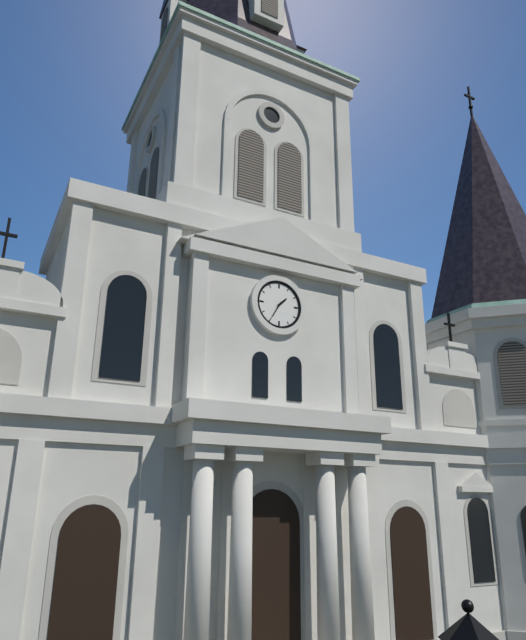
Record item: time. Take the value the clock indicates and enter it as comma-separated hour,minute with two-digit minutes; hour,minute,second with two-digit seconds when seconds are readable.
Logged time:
1,35
